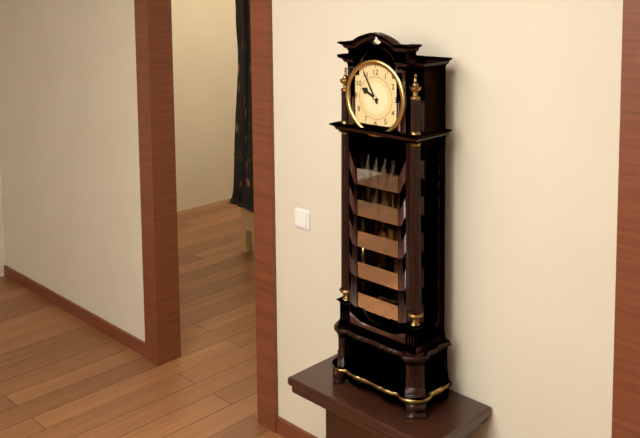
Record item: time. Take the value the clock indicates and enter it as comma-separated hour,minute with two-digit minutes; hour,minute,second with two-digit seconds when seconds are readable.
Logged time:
9,55
